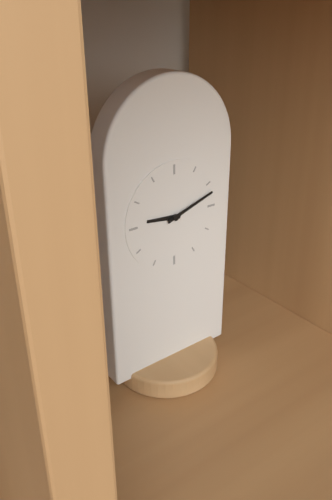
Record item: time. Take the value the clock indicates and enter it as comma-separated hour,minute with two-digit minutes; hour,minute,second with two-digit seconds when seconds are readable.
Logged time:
9,12
